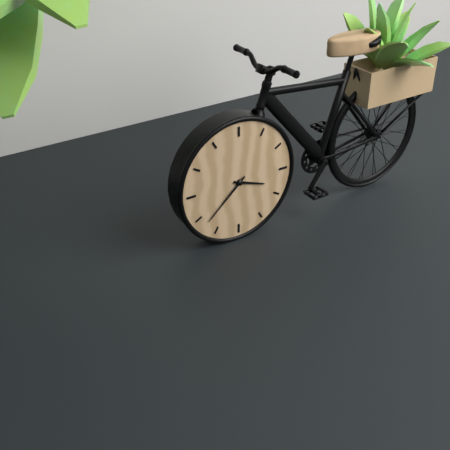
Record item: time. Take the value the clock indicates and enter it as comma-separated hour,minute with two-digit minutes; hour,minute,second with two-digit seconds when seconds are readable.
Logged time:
3,38
